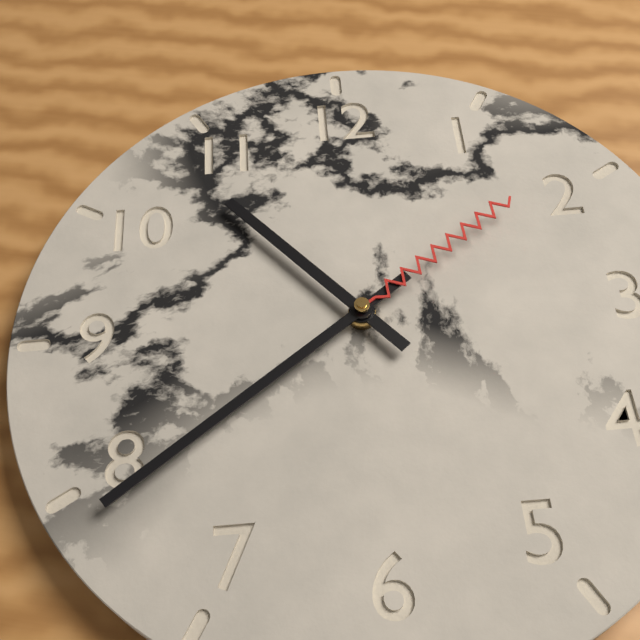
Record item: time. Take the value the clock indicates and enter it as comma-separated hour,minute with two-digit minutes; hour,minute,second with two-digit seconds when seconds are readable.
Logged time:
10,39,09
